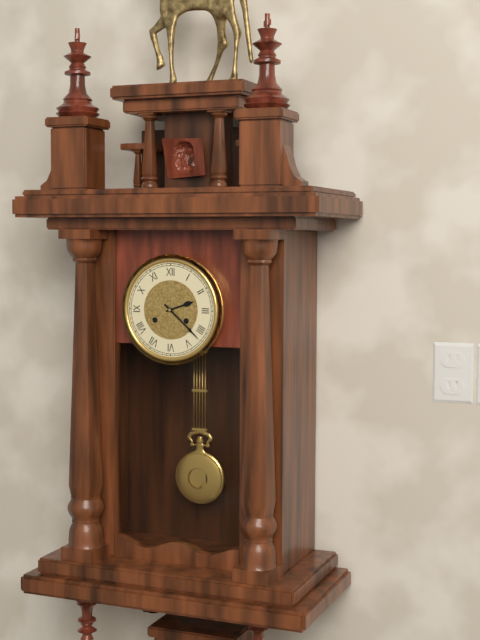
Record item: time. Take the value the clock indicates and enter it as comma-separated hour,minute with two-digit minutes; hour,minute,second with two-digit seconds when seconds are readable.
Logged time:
2,22
